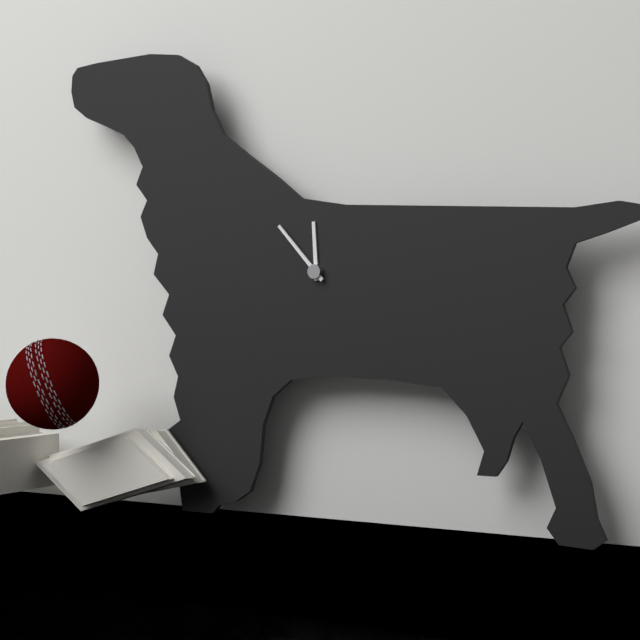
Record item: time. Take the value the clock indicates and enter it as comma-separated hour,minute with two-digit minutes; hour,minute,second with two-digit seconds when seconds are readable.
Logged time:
11,53
